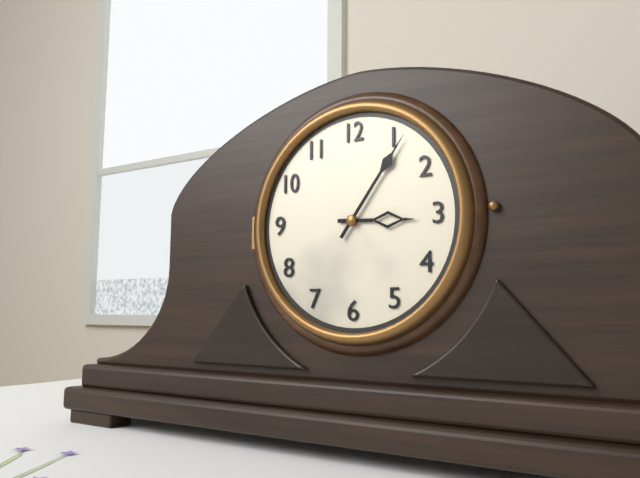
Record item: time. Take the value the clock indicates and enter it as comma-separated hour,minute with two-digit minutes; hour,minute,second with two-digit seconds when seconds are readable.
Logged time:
3,06
